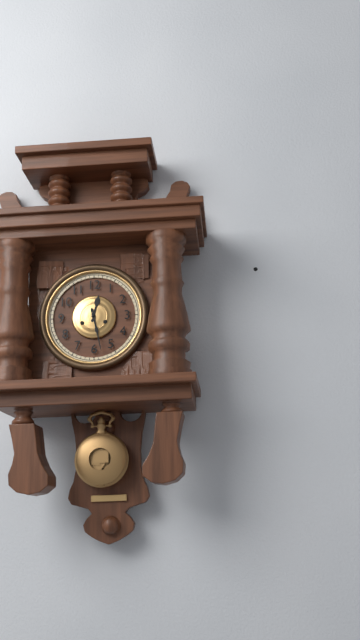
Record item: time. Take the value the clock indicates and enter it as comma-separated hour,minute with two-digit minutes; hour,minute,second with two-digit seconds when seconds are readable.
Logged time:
12,28
